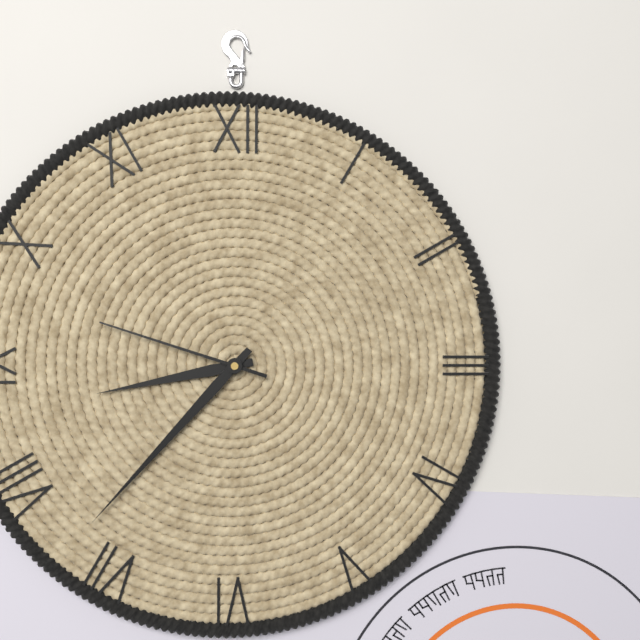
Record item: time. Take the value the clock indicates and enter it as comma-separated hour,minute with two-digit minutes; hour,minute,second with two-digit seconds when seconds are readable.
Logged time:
8,37,48
